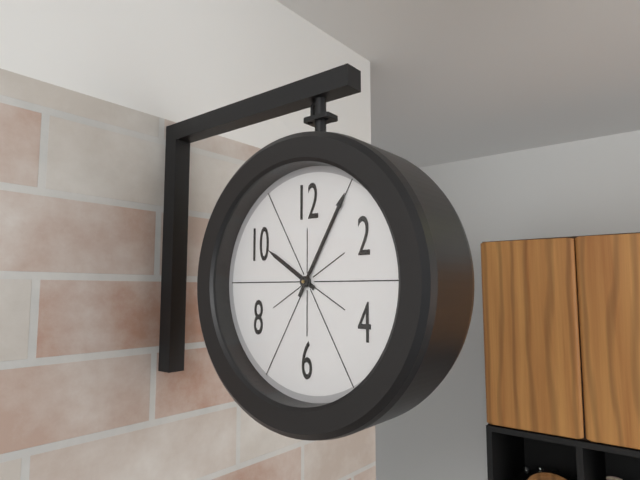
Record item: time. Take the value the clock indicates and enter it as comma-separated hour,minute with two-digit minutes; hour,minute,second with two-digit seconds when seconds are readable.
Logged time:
10,05
